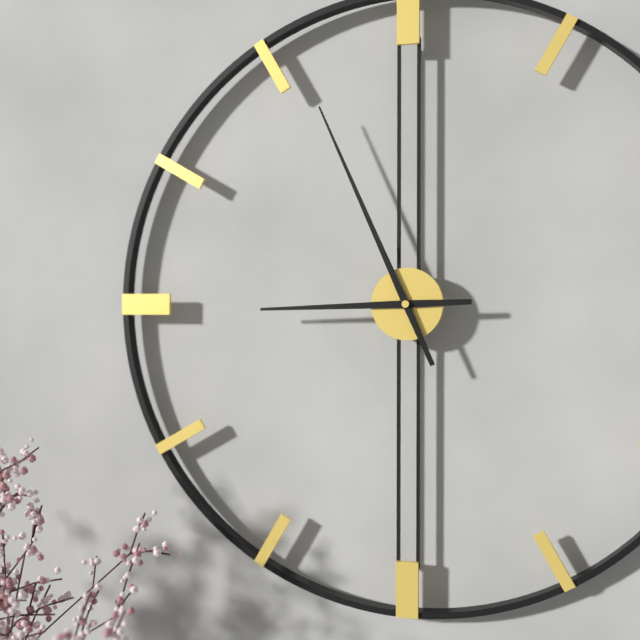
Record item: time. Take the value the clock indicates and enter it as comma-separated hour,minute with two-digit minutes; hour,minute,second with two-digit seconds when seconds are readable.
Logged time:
8,56
